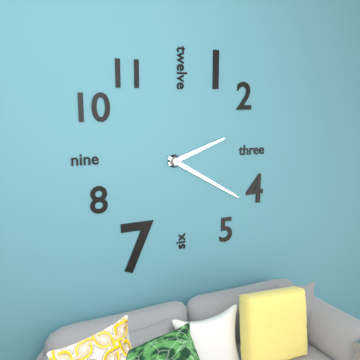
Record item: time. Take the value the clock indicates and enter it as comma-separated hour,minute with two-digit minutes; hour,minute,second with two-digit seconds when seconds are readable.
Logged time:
2,20
